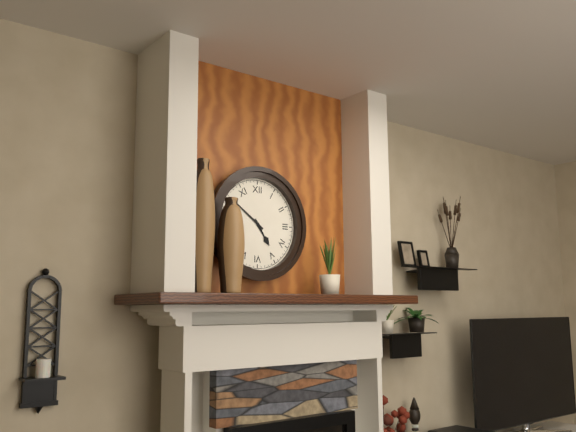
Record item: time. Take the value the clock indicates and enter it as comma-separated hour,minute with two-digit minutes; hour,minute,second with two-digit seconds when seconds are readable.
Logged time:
4,51
